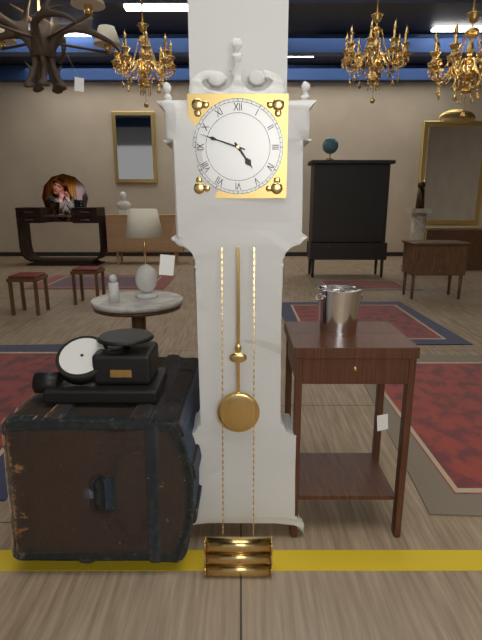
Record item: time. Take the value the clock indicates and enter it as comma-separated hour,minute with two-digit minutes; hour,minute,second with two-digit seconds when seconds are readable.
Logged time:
4,48
